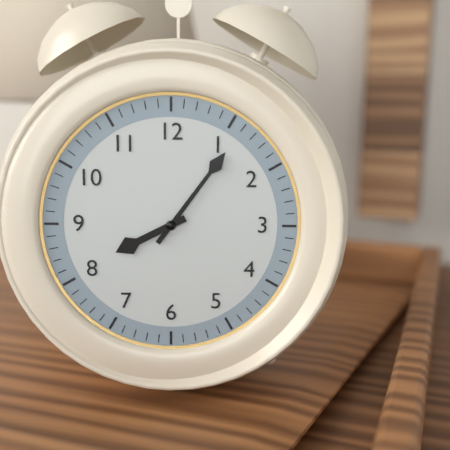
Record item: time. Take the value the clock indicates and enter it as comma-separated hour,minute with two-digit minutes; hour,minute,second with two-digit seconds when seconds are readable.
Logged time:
8,06
